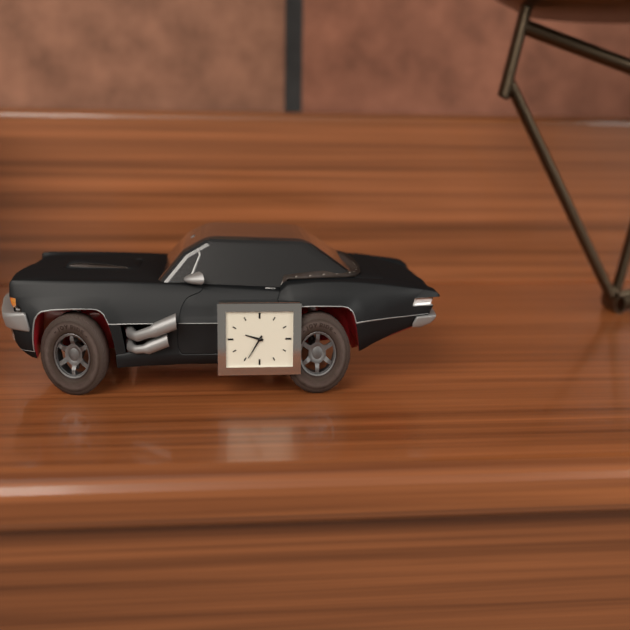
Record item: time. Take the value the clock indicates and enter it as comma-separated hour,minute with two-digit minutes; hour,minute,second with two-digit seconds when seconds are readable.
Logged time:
9,35
